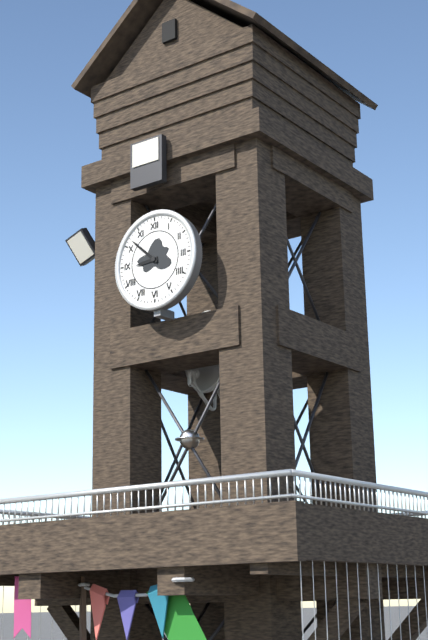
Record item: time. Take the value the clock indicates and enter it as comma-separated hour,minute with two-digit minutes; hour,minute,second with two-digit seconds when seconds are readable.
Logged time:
8,52
